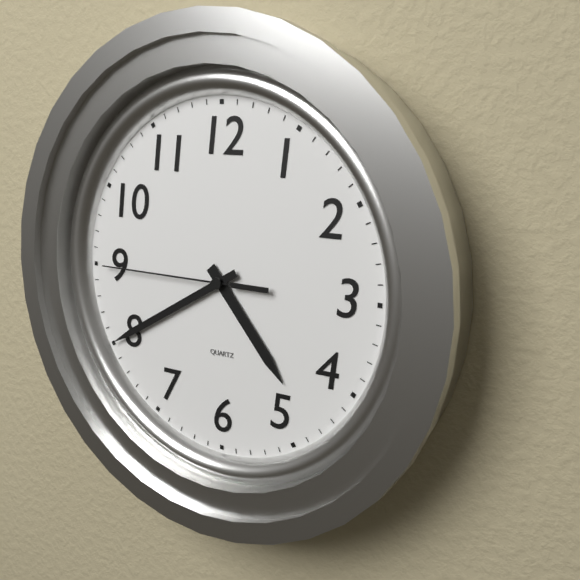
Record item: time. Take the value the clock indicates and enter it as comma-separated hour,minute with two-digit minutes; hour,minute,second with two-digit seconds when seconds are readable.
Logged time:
4,40,45
